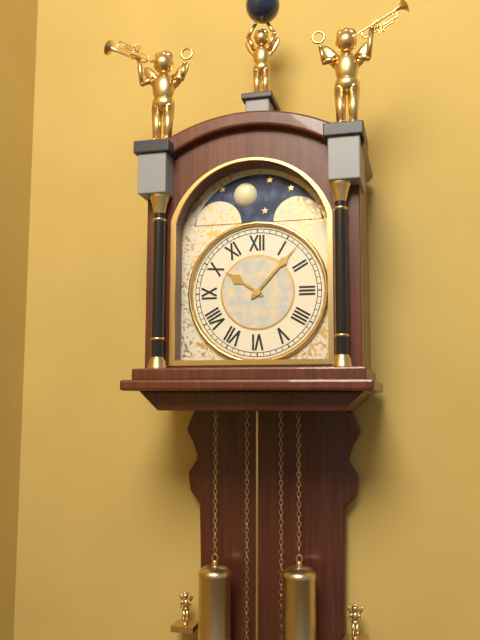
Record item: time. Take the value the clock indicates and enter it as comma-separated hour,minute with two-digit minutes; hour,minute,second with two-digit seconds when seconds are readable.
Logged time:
10,07
